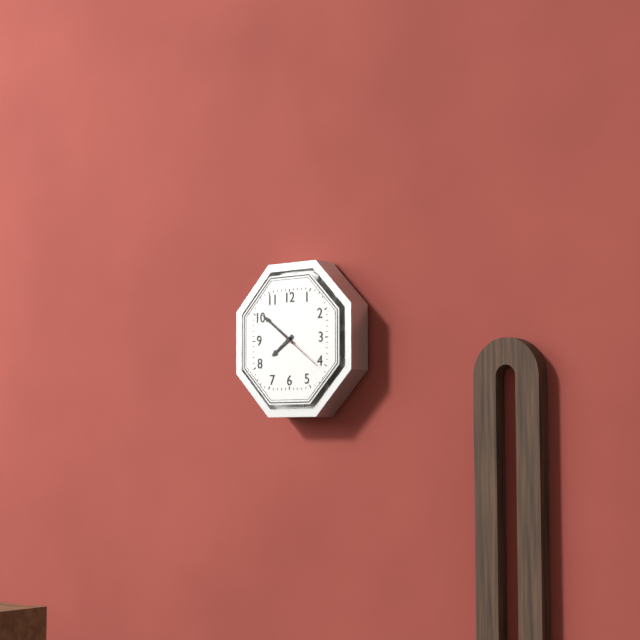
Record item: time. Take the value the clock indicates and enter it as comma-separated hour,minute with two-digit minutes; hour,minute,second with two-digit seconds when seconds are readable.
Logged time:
7,51
